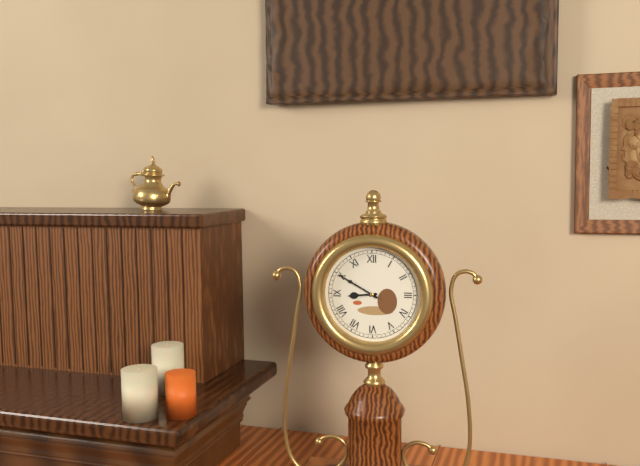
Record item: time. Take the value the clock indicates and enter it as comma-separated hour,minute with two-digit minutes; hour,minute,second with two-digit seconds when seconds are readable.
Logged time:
8,50
